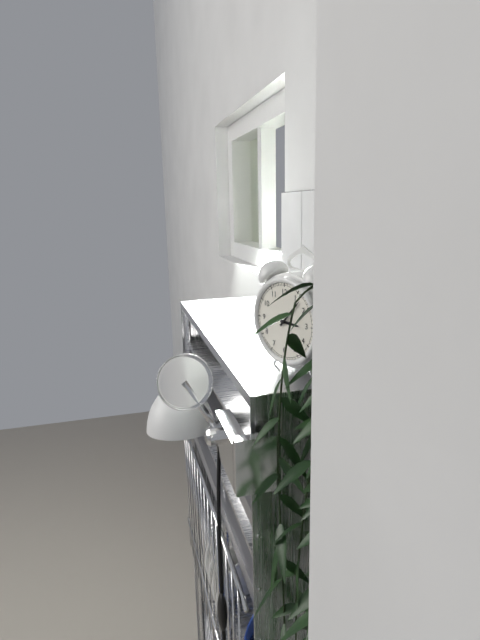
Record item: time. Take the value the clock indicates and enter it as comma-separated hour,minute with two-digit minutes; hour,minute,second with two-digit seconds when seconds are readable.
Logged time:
3,07
